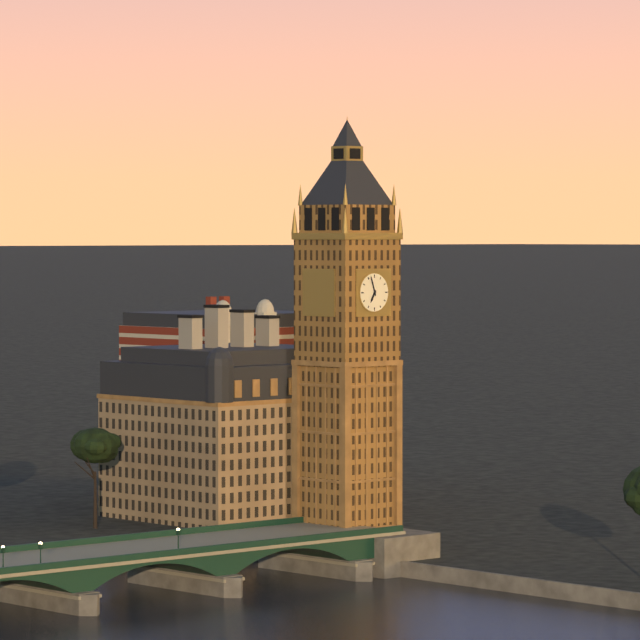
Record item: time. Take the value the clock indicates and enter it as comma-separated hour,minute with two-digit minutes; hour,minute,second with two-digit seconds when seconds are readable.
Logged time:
6,57
